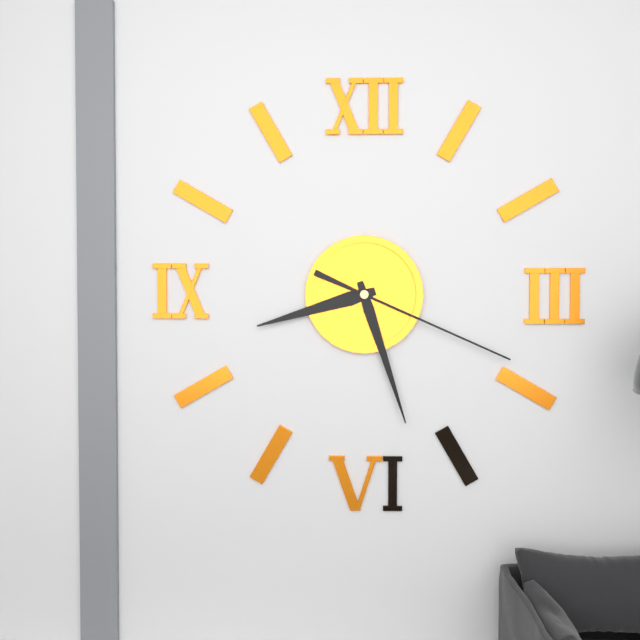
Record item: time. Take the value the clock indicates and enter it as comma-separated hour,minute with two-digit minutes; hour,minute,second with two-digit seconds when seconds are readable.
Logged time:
8,27,19
